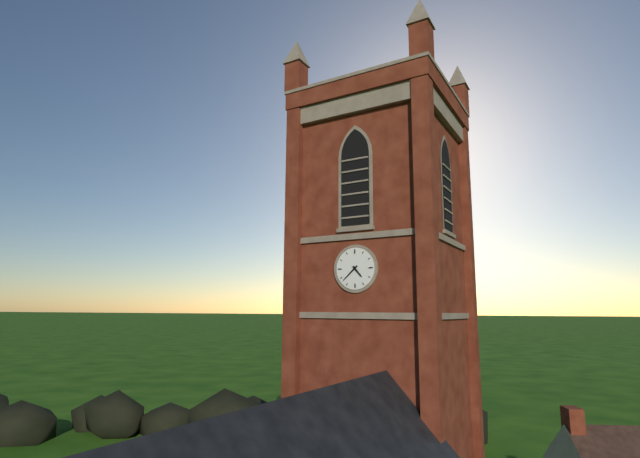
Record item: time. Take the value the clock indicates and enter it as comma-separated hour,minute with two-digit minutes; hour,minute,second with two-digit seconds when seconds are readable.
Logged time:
4,38
